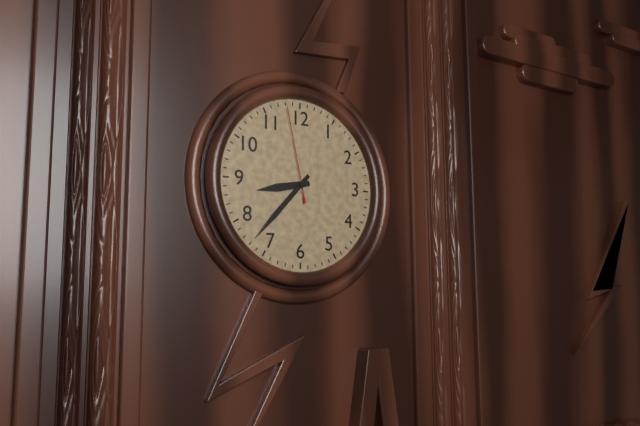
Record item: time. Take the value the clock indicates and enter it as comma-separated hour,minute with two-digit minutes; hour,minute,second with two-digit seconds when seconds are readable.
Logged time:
8,37,58
